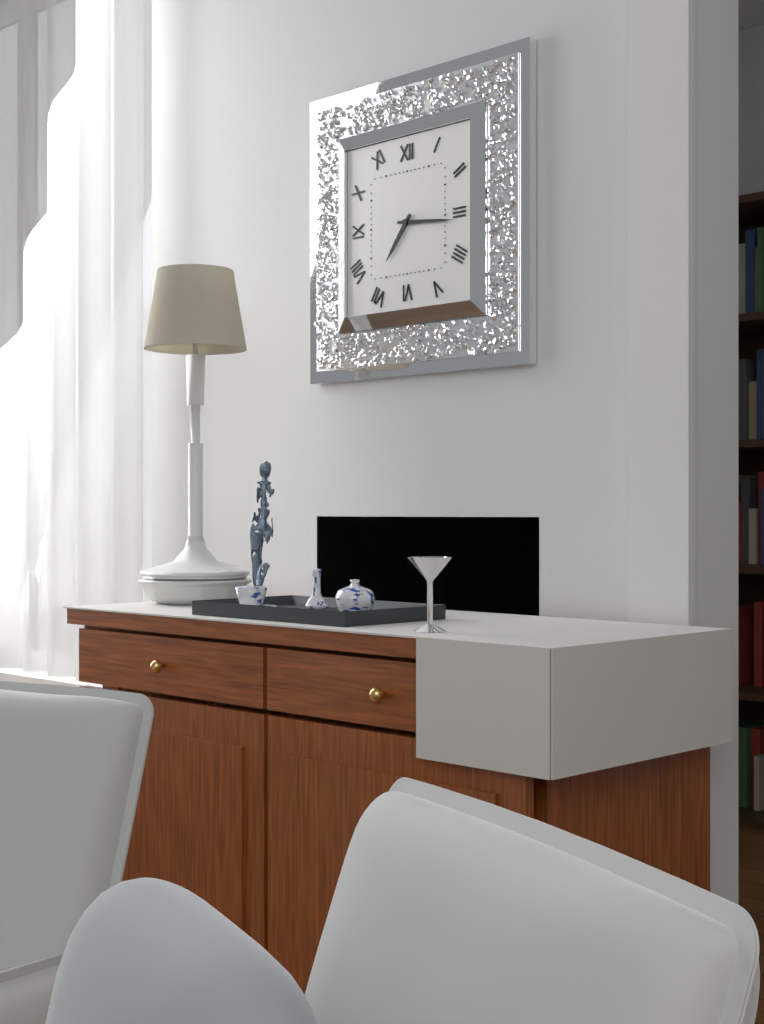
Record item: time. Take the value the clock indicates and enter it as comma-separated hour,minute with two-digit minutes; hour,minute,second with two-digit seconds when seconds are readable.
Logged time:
7,16
